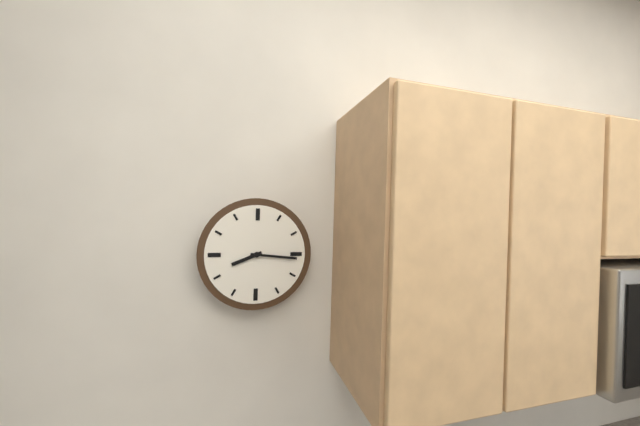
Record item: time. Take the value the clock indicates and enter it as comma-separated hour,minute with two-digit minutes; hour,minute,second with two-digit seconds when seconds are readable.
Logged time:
8,16
